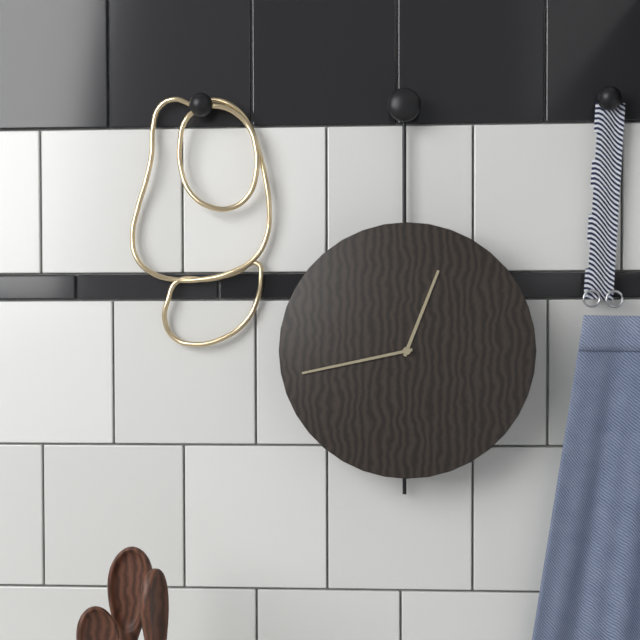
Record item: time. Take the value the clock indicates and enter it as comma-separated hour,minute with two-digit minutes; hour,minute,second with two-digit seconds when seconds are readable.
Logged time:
12,43
